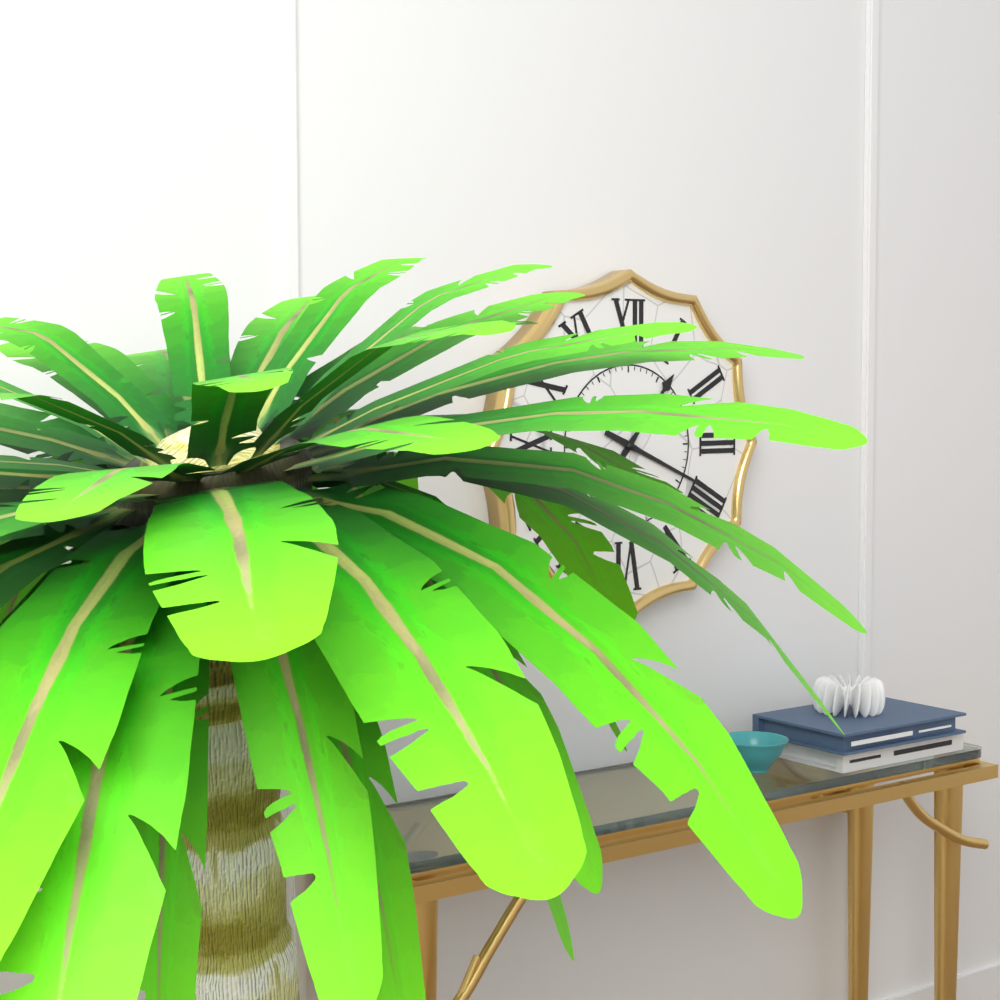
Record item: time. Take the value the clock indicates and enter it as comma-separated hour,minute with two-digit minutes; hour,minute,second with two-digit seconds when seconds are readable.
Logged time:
1,19
